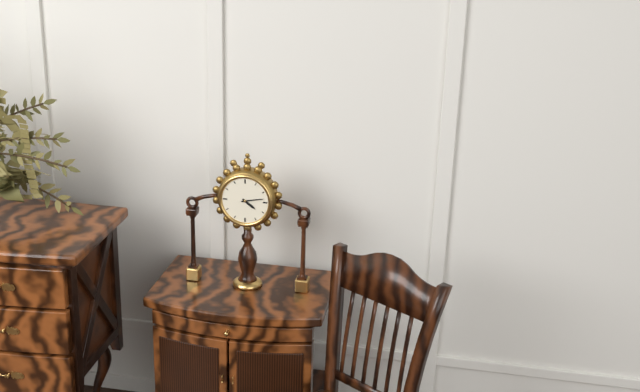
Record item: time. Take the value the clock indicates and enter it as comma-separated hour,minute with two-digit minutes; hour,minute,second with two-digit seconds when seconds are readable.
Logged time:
4,13
